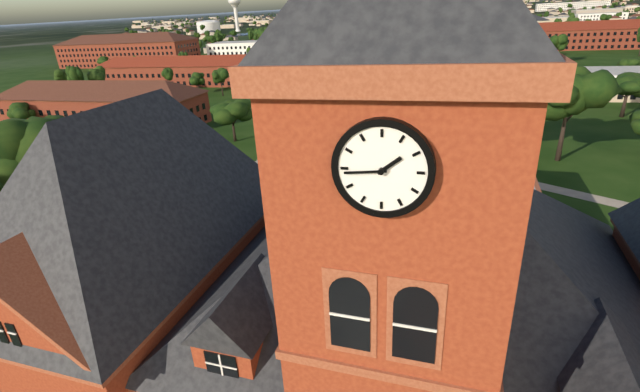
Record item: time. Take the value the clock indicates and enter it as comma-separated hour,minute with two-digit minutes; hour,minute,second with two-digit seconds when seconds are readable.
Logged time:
1,44
